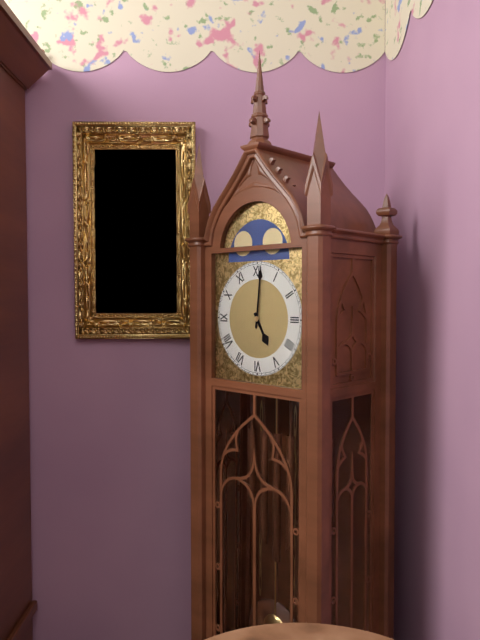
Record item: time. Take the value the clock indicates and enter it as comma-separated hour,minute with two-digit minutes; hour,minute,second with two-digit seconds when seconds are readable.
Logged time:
5,01
